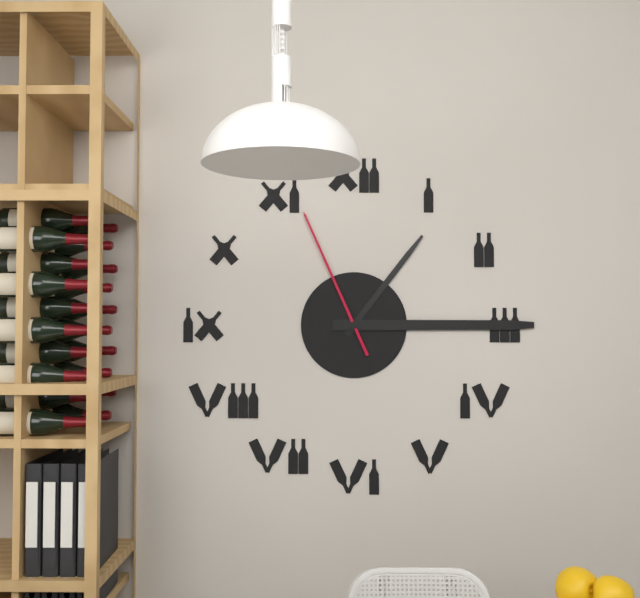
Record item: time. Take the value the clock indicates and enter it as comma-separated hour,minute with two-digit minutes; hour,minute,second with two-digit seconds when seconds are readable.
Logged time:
1,15,56
